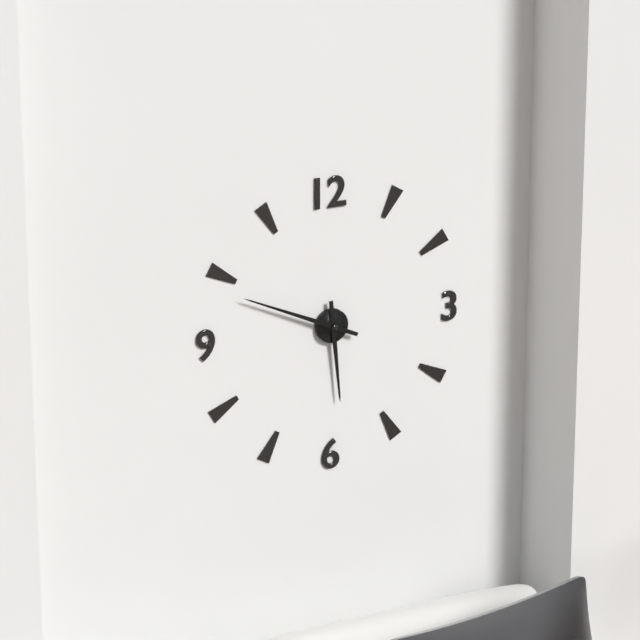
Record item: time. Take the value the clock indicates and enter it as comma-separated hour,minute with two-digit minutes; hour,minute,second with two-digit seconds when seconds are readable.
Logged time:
5,49
